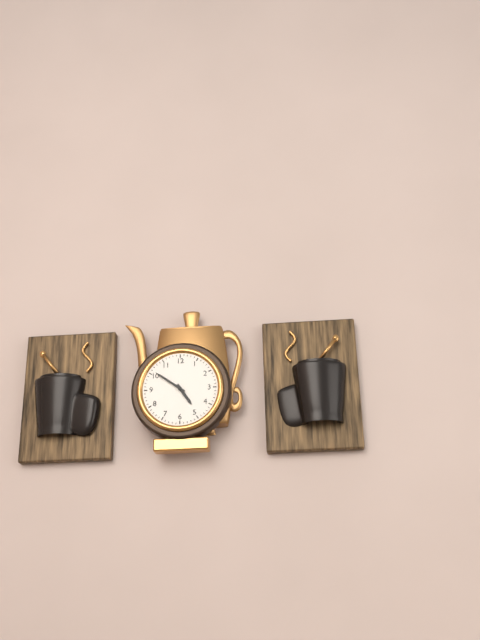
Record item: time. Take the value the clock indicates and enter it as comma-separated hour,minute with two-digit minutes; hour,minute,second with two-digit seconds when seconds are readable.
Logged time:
4,51
